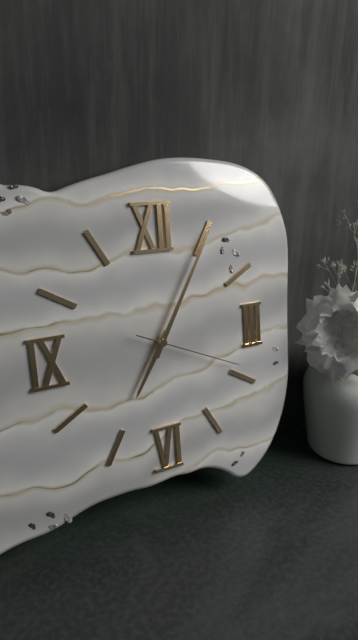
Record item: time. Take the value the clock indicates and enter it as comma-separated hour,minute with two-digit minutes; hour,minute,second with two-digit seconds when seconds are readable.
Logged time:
7,05,19
